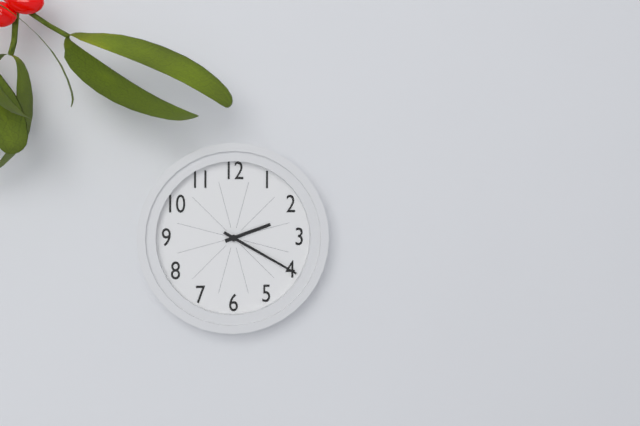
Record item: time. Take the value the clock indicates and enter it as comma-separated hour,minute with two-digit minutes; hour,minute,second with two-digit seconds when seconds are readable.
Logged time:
2,20
